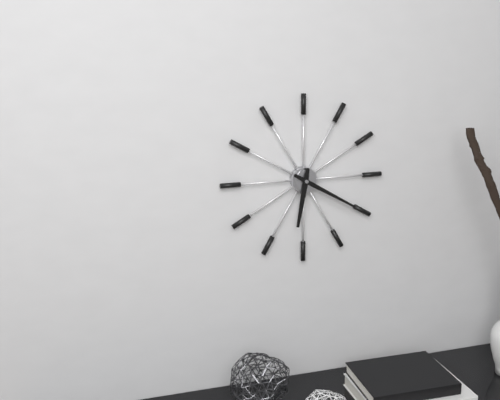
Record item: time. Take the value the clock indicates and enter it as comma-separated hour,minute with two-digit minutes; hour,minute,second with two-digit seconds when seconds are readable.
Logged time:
6,20
